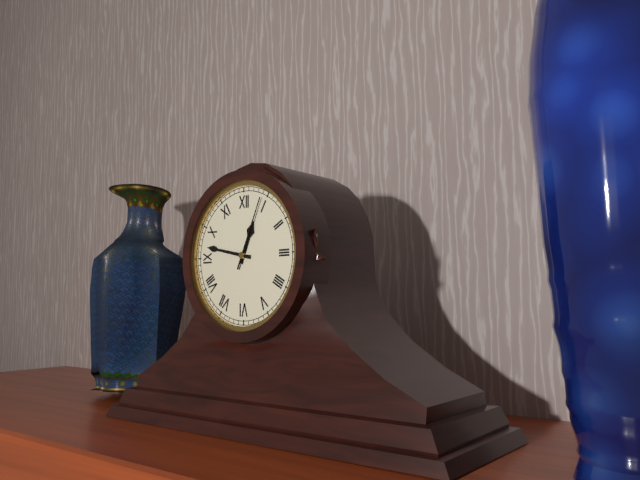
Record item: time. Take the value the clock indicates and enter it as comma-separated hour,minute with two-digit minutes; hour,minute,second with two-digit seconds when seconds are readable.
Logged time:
12,47,04
